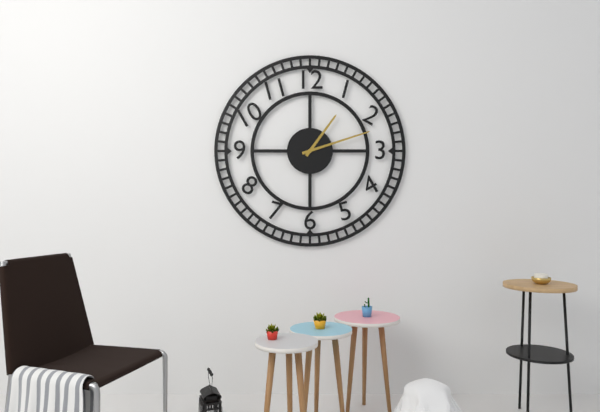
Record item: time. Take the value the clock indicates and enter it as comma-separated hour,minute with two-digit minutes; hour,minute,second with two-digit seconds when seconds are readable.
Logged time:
1,12
